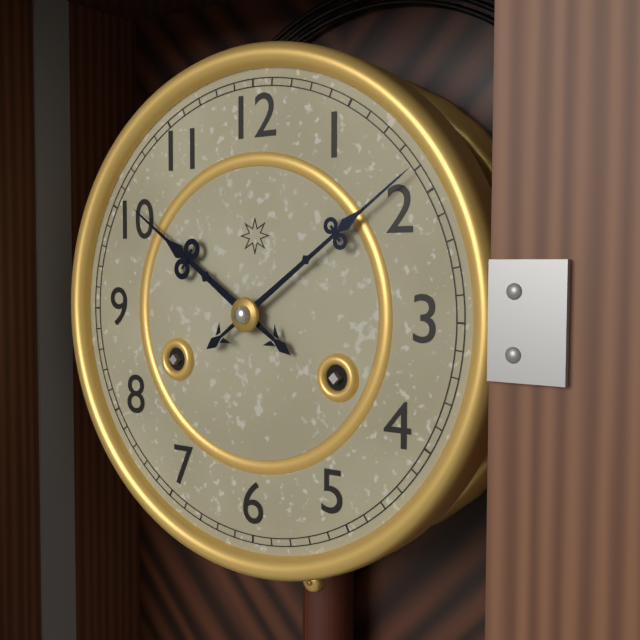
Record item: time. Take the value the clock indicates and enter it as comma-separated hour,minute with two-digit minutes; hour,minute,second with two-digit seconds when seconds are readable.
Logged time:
10,09
